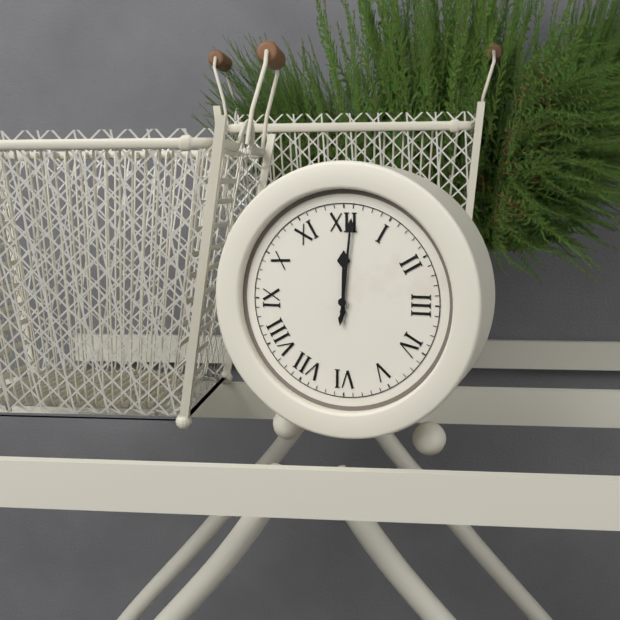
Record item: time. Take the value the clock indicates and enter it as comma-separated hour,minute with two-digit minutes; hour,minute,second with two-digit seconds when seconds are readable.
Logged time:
12,01
